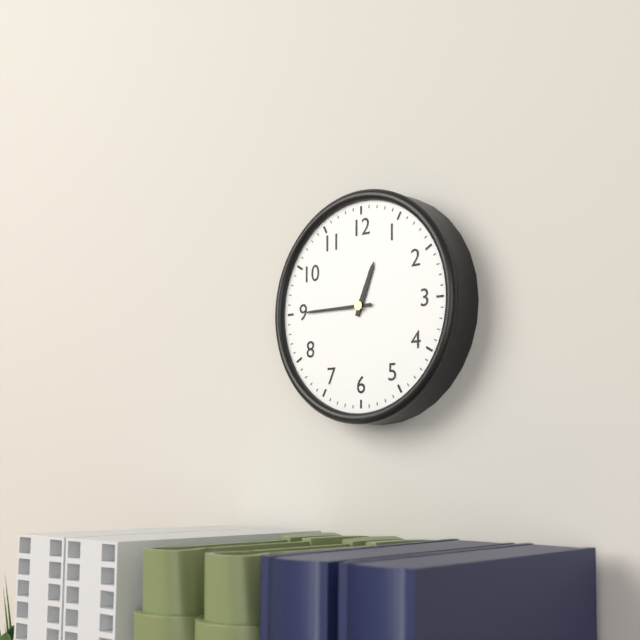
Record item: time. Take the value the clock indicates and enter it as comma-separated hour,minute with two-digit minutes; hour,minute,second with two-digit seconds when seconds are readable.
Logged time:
12,45
